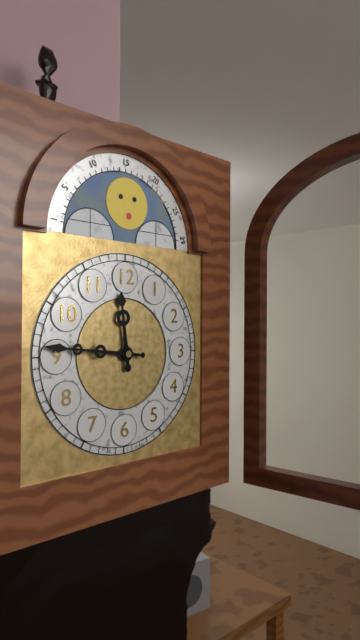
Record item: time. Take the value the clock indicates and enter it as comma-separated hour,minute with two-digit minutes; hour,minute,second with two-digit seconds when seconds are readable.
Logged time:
11,46
